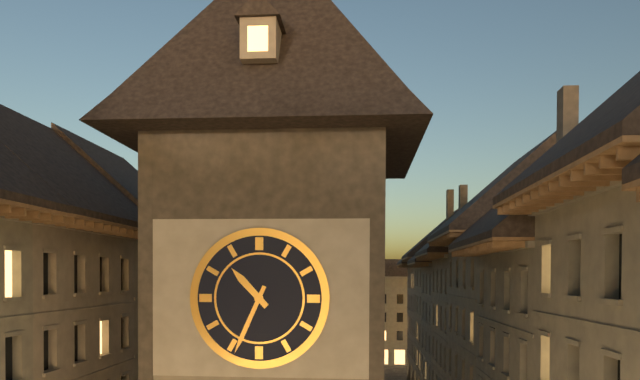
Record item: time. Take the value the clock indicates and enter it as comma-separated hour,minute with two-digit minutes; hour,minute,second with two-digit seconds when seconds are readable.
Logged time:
10,34
